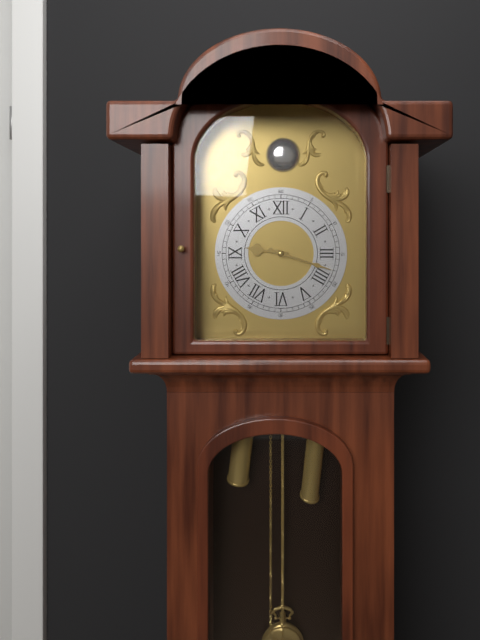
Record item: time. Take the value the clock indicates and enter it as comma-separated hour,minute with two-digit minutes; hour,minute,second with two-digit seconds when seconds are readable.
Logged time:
9,18
